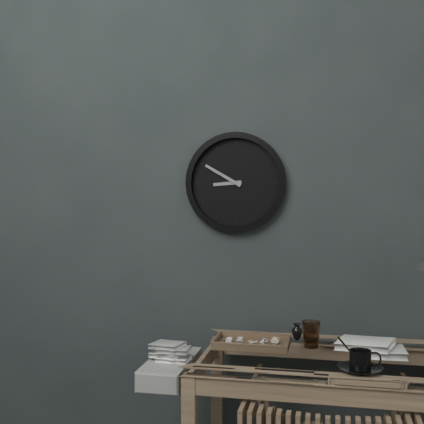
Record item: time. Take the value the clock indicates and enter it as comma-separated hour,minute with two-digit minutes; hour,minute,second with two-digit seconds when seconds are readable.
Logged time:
8,50
